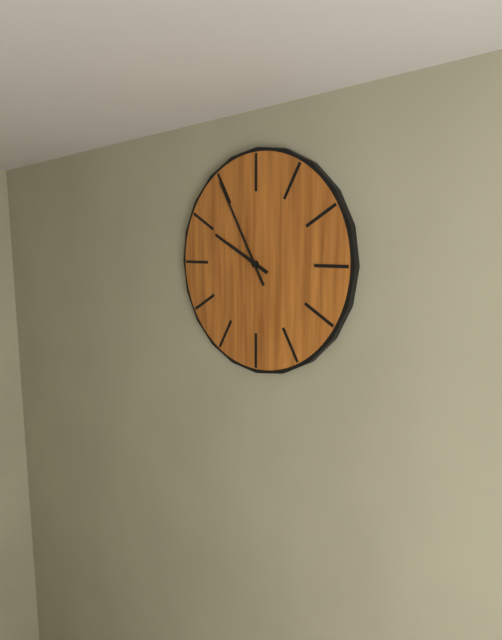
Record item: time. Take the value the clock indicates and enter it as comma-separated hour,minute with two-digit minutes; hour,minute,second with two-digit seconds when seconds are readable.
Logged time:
9,55
